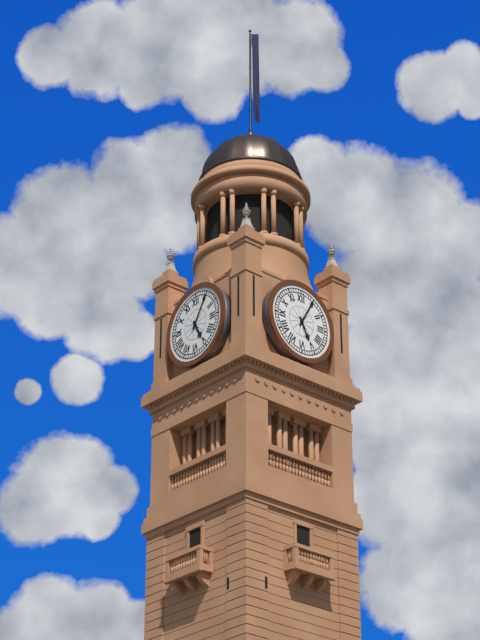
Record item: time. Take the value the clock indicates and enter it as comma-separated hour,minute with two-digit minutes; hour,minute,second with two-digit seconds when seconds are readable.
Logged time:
5,05
